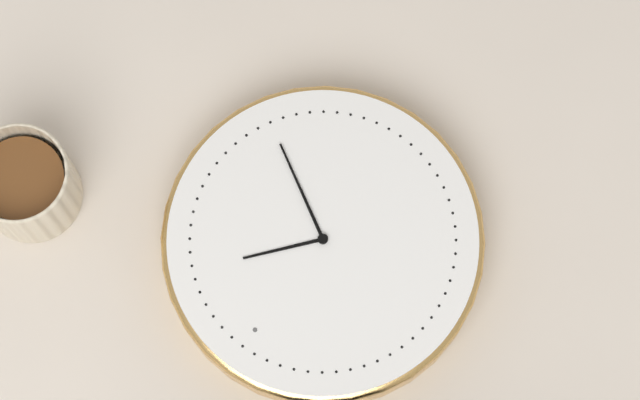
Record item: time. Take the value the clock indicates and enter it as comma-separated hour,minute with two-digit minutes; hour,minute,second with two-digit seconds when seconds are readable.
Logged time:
1,20
